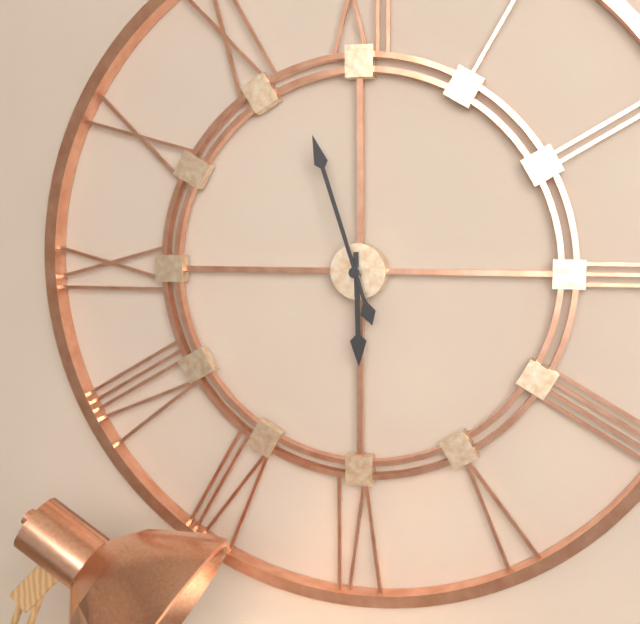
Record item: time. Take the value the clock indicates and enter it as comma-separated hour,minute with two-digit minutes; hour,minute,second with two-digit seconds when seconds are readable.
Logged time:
5,57
